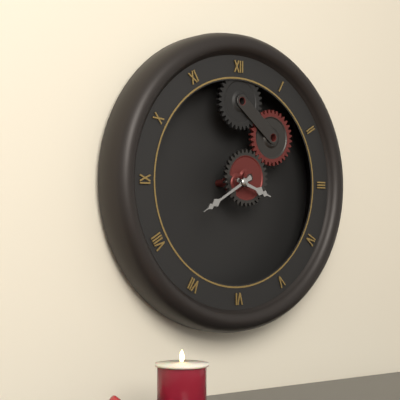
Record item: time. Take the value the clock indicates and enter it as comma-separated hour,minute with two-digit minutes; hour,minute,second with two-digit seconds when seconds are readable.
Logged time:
3,40
